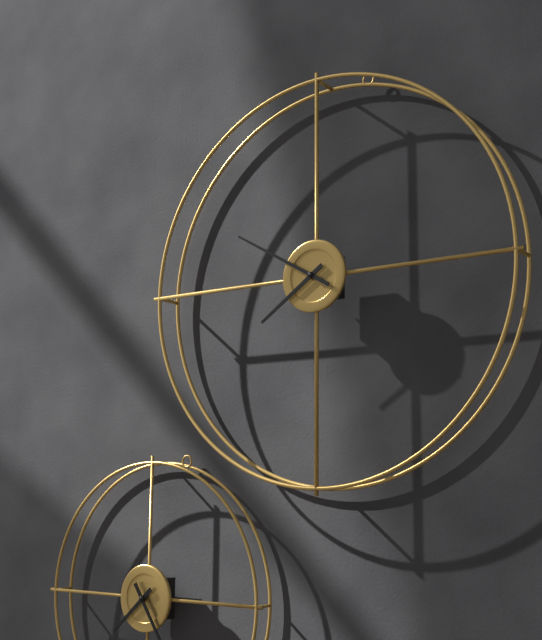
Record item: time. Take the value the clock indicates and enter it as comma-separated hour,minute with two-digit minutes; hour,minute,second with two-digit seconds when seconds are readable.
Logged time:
7,50
